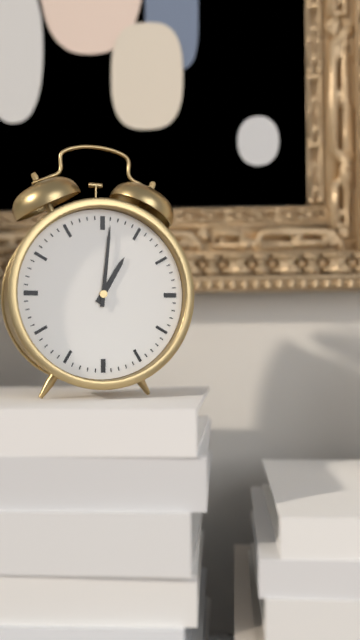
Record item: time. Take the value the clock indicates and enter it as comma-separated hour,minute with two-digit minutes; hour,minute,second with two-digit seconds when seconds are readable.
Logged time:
1,01
